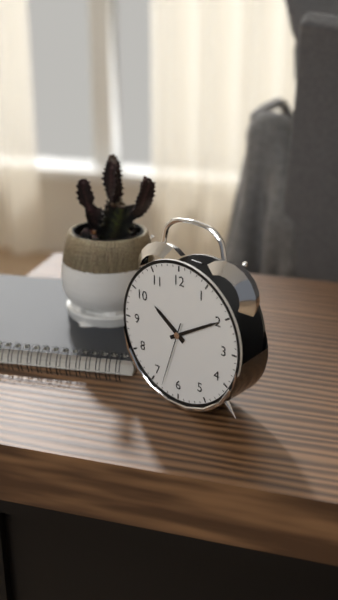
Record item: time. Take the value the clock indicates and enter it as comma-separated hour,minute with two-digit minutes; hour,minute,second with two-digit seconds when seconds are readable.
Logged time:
10,10,33
